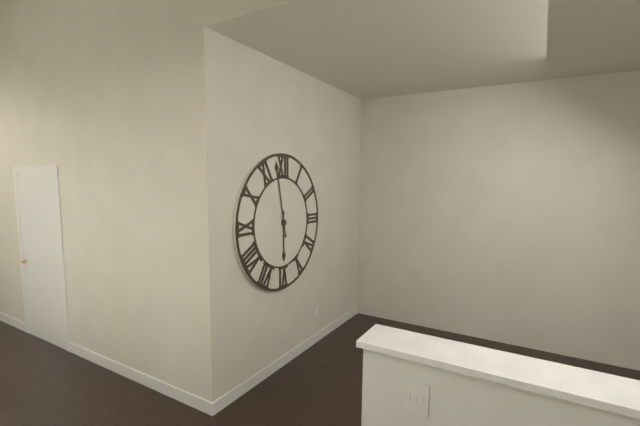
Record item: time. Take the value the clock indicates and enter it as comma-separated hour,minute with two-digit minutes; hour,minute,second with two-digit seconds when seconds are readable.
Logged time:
5,58
